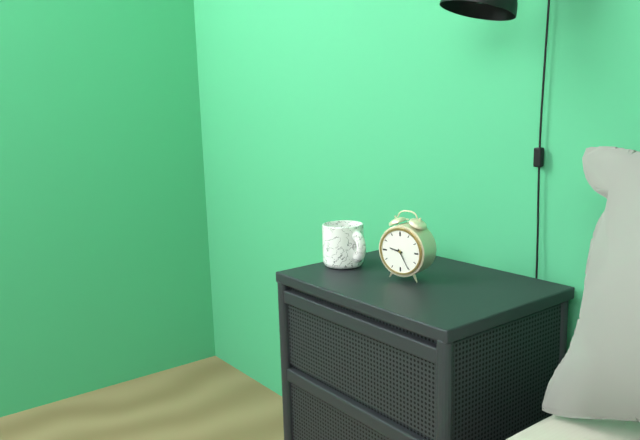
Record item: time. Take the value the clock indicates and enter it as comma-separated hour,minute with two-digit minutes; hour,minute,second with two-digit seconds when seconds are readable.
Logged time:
9,25
